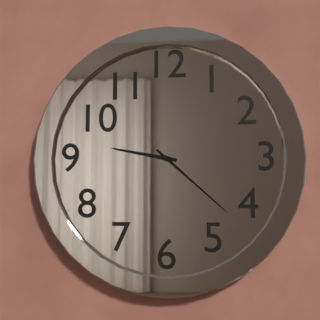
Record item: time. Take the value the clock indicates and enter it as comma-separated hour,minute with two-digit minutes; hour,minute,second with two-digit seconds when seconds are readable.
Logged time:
9,22
